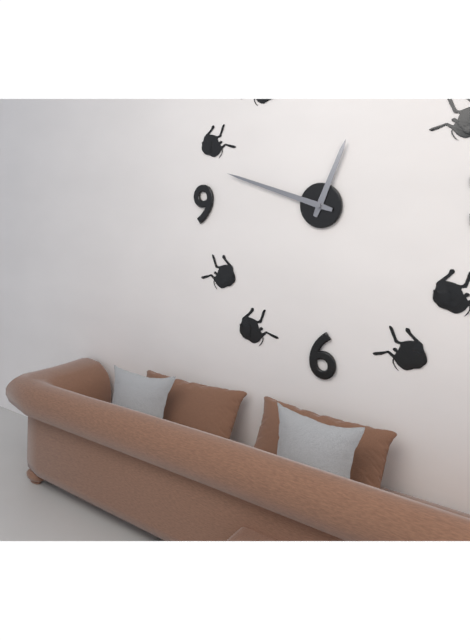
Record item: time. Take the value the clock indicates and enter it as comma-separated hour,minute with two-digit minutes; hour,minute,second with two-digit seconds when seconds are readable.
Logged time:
12,48
